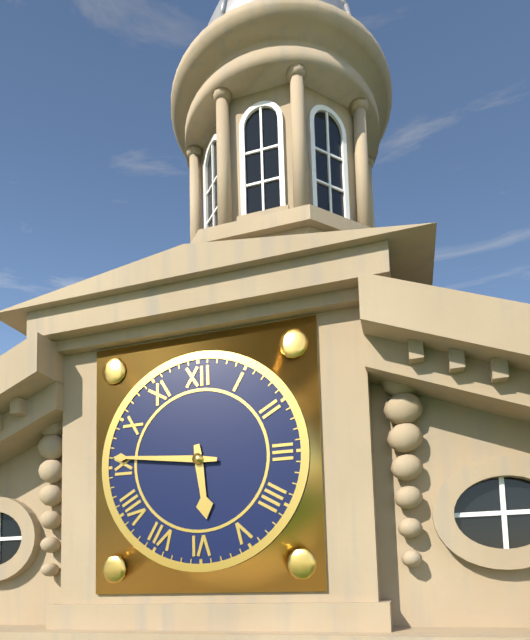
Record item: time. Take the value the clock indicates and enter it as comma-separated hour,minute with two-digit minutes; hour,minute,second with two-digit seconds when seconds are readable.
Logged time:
5,46
